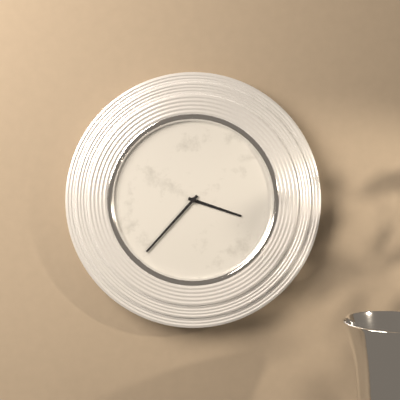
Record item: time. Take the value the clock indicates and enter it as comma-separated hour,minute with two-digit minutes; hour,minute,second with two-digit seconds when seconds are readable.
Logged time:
3,37
